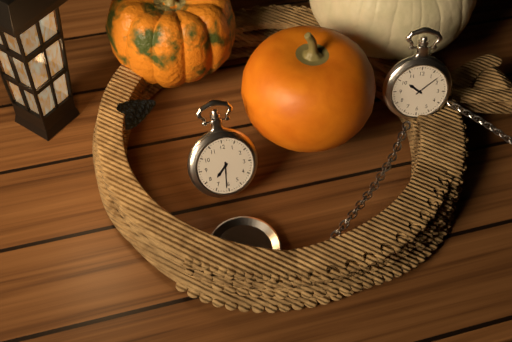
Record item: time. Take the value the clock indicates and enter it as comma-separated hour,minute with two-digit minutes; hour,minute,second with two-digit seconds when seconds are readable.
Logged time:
7,31
